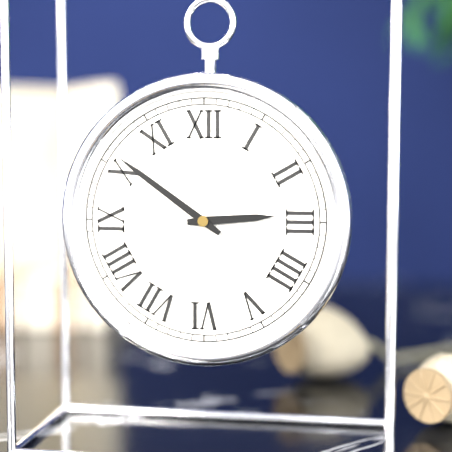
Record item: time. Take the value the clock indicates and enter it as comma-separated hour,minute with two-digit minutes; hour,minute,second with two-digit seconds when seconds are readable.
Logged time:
2,51
